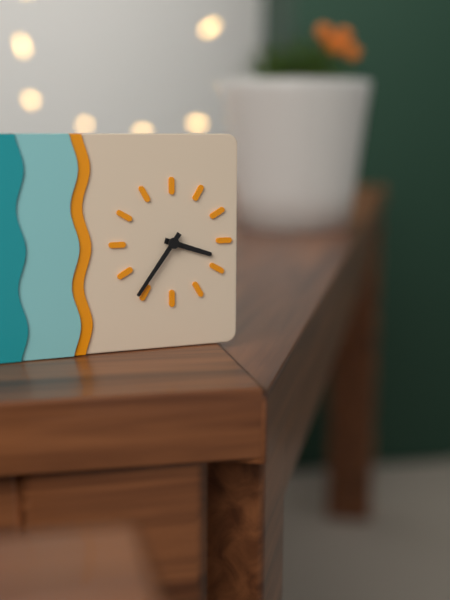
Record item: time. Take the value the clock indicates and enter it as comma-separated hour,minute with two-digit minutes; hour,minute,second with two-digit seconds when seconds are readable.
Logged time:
3,36
